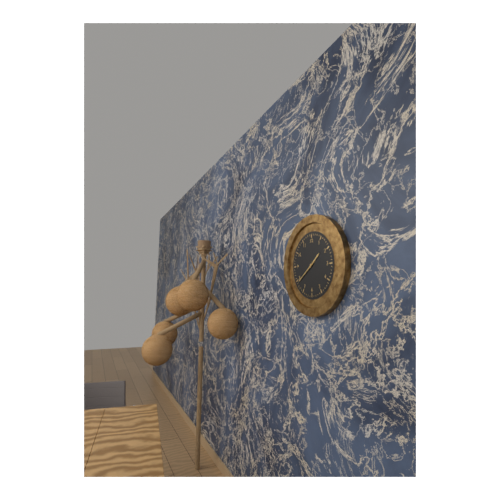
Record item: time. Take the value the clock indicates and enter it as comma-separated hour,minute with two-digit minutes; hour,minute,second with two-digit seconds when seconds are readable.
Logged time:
1,39
